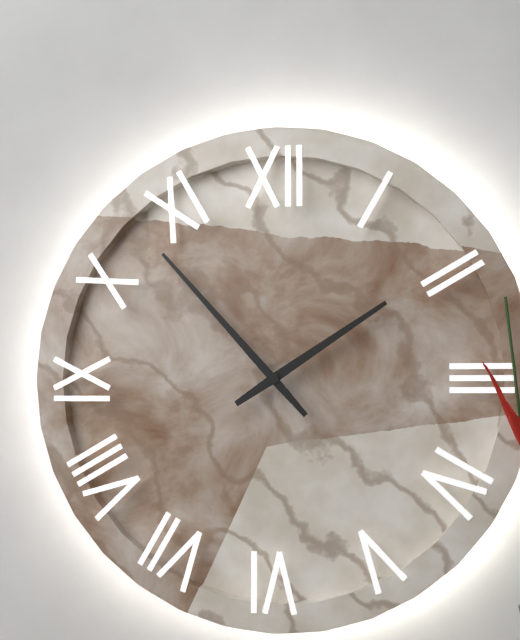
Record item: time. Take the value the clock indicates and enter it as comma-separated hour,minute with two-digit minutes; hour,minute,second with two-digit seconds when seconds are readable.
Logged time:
1,53
